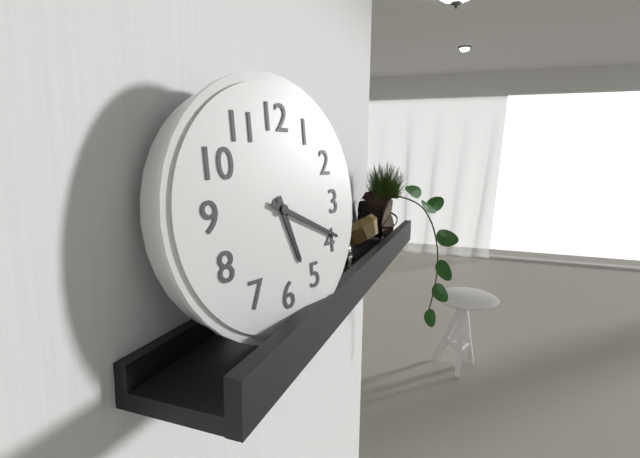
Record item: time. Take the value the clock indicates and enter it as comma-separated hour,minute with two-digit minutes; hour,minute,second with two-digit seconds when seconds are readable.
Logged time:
5,19
